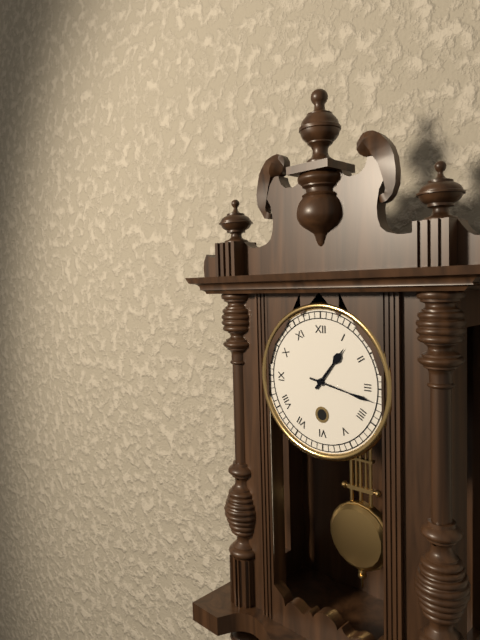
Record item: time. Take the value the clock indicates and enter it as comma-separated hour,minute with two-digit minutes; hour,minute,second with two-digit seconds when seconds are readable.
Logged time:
1,17
